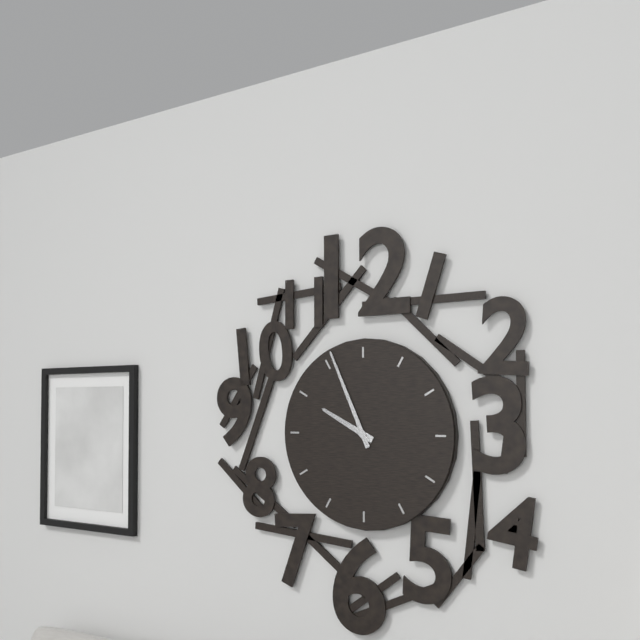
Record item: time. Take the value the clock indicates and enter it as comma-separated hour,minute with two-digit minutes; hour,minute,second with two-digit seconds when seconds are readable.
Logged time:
9,56
